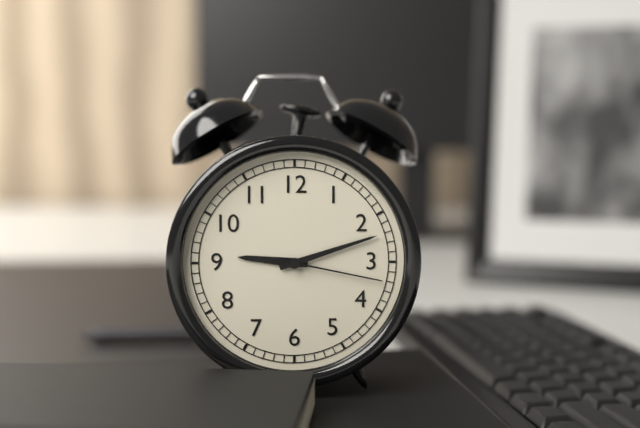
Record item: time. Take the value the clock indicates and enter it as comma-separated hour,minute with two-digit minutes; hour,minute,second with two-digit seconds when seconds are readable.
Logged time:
9,12,17
